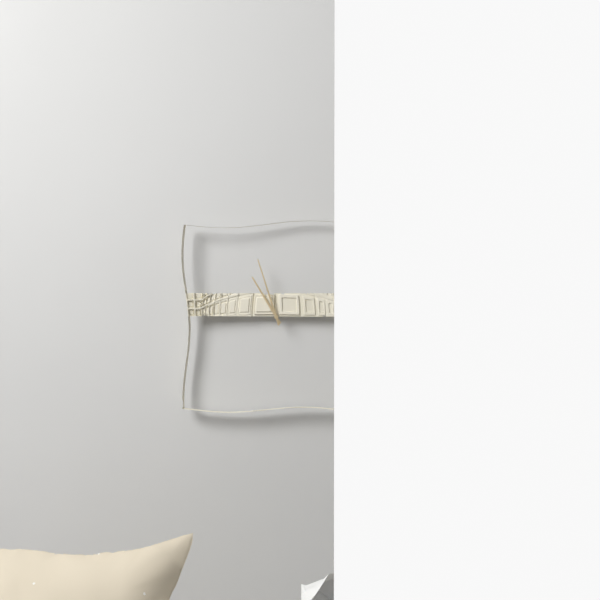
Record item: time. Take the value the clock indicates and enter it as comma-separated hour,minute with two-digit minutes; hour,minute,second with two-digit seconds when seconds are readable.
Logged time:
10,57
